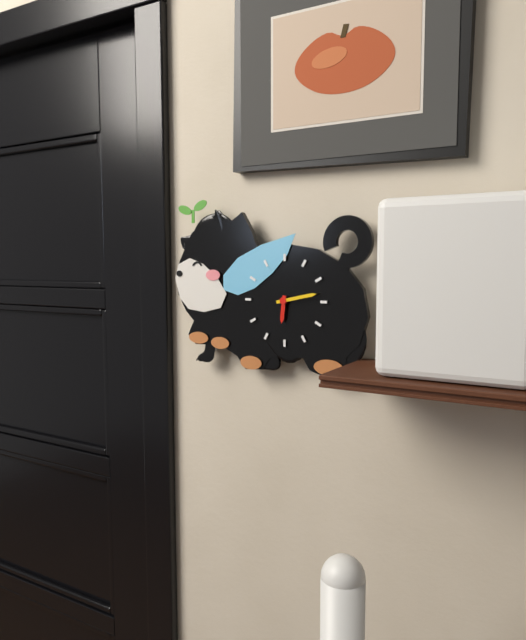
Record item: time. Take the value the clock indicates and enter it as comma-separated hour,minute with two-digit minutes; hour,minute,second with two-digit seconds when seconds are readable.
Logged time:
6,13
